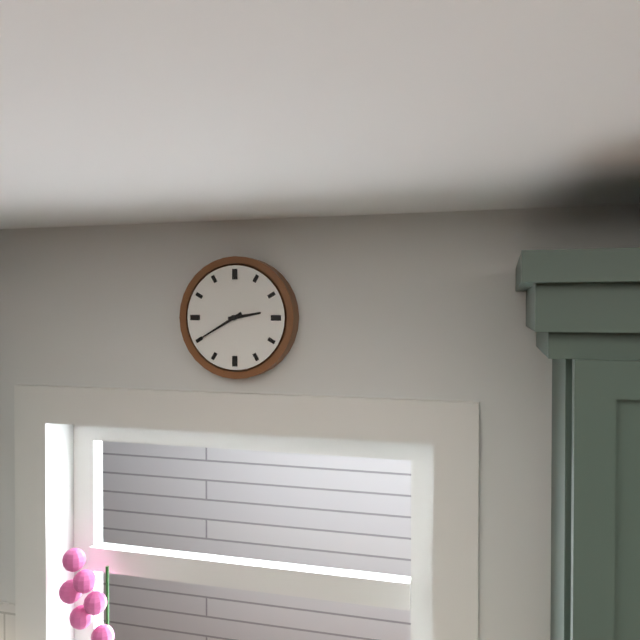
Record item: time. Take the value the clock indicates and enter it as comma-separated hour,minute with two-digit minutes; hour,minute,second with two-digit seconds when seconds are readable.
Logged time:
2,40
